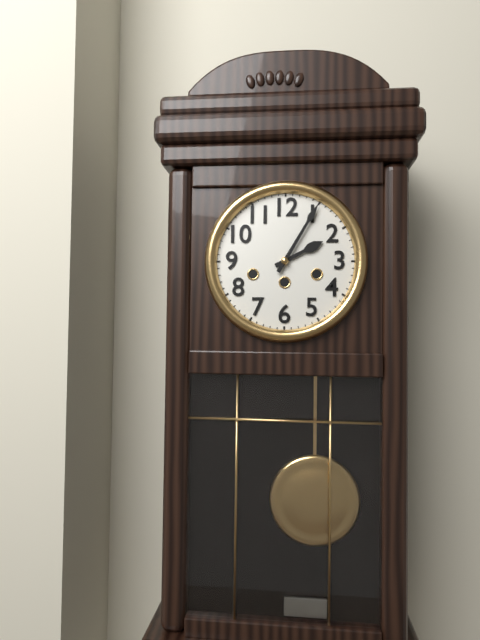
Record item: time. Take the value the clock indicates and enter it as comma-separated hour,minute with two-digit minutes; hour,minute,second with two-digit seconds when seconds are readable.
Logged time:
2,05
